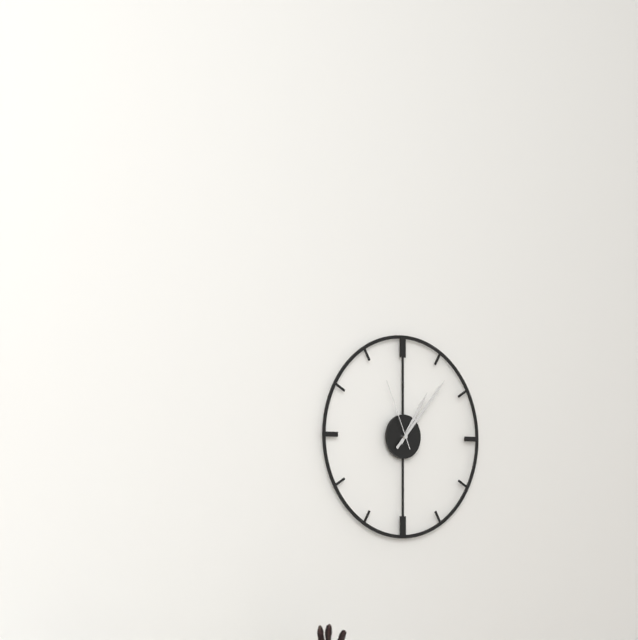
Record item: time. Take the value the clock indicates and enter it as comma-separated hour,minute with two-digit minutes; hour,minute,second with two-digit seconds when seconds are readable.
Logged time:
1,07,56
